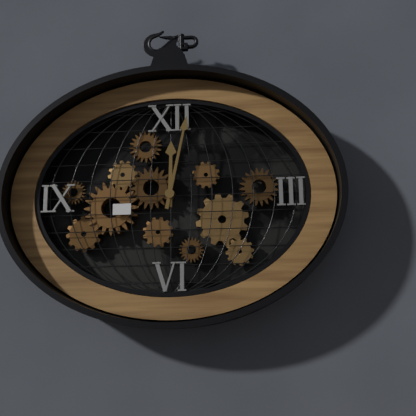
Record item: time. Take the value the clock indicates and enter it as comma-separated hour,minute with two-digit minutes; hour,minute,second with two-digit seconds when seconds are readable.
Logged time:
12,02
